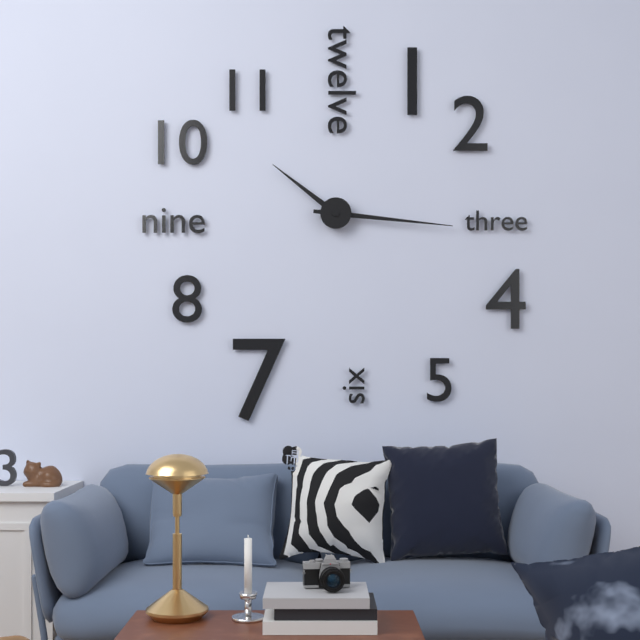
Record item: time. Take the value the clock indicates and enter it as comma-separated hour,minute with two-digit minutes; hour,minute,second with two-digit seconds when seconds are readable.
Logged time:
10,16
